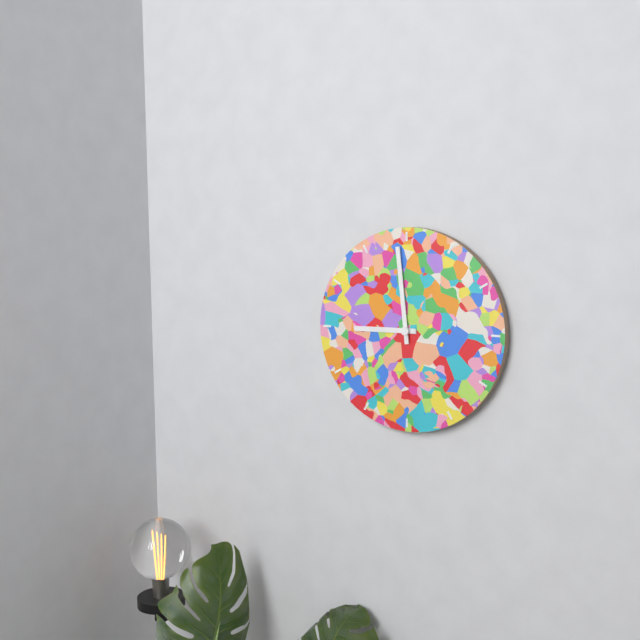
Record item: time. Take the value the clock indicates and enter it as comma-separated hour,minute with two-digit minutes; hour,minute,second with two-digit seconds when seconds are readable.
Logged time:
8,59
